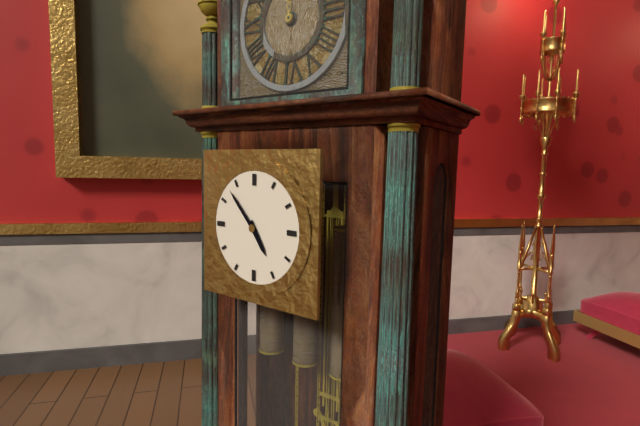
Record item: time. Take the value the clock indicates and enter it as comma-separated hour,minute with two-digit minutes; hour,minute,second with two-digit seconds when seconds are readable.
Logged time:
4,53
